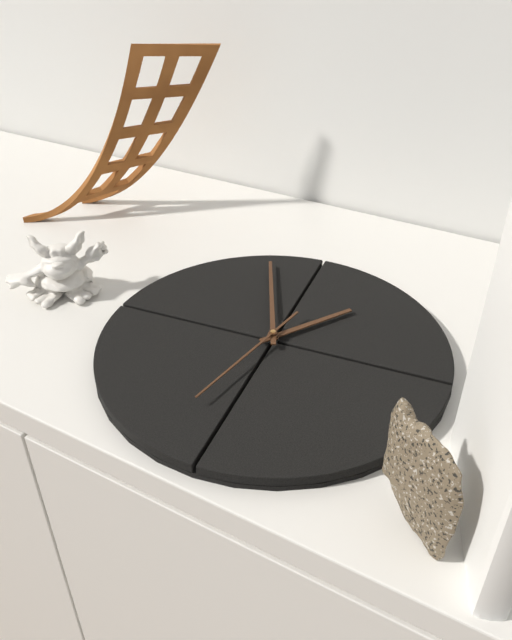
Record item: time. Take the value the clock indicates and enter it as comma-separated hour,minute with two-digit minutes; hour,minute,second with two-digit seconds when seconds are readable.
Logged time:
2,00,36
